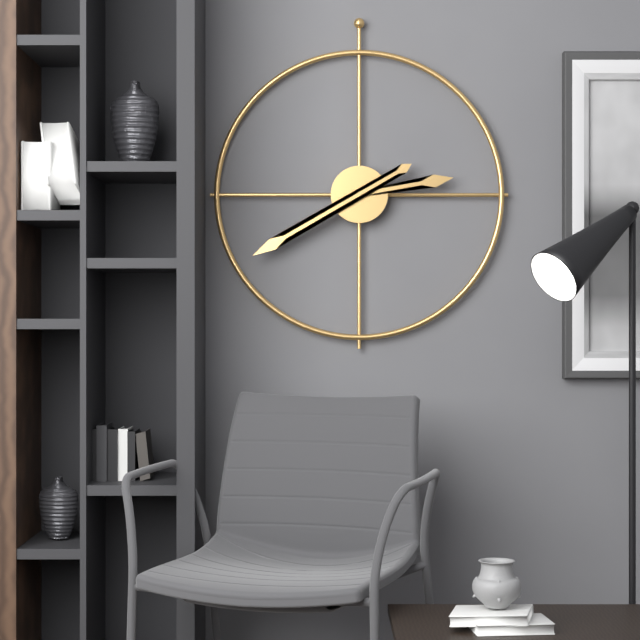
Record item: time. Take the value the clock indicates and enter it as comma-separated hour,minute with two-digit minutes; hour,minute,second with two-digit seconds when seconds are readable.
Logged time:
2,40
